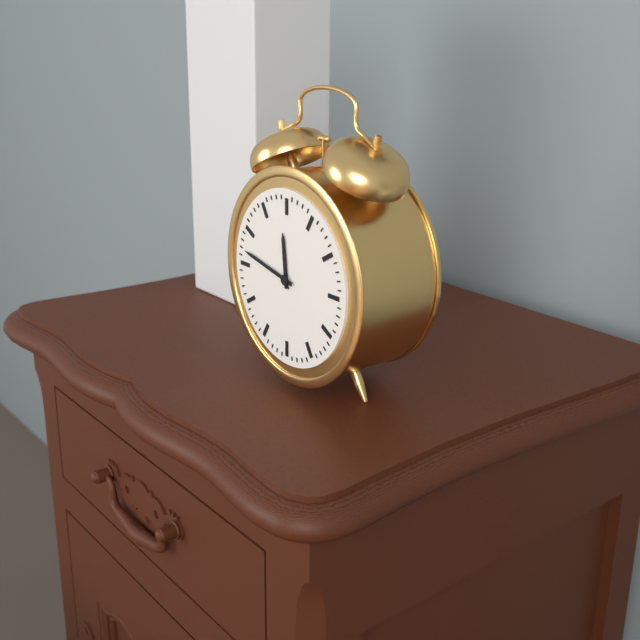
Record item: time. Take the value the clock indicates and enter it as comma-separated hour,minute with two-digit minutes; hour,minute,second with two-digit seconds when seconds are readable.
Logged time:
11,47
